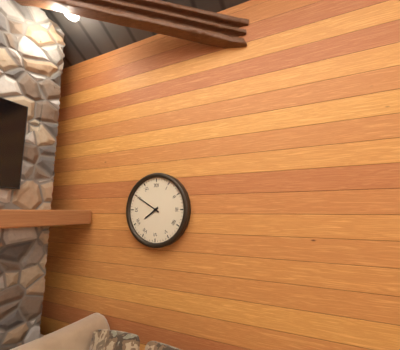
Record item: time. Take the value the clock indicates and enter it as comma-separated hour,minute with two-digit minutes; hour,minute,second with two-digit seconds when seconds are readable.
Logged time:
7,50
